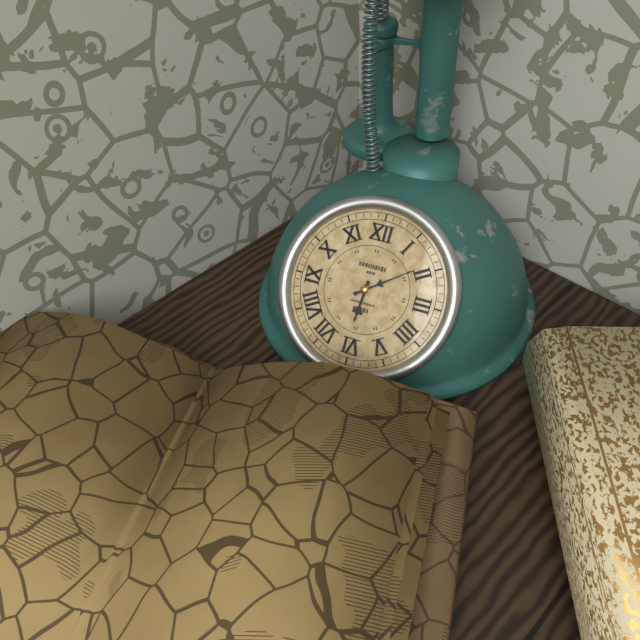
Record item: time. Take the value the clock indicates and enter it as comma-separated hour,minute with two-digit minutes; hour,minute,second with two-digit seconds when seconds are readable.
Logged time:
6,09
